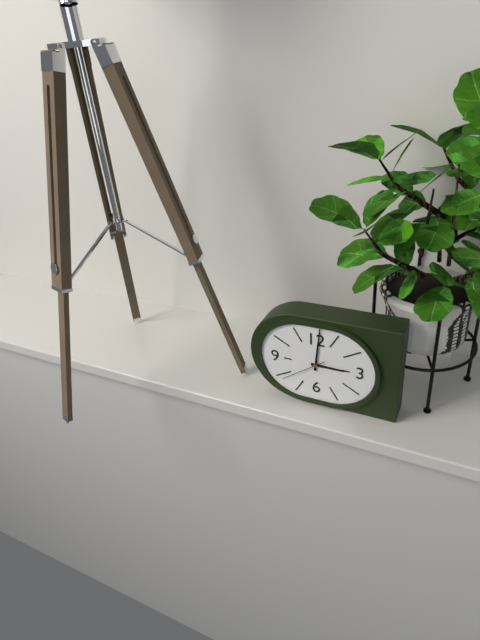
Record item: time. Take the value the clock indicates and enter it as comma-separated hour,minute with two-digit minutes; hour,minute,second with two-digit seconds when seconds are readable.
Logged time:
3,01
